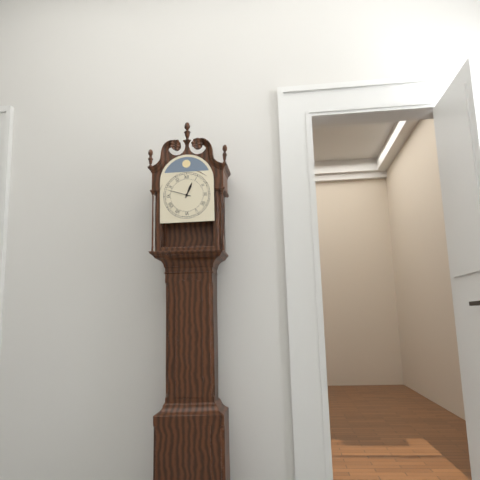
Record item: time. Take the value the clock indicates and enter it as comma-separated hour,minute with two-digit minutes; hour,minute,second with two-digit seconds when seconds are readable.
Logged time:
12,48
